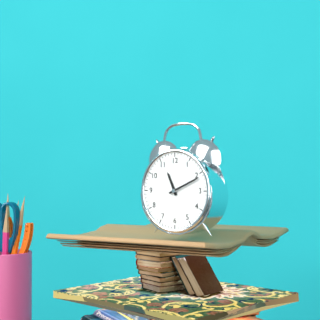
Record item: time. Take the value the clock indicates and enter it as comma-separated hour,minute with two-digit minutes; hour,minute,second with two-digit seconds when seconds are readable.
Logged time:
11,11
